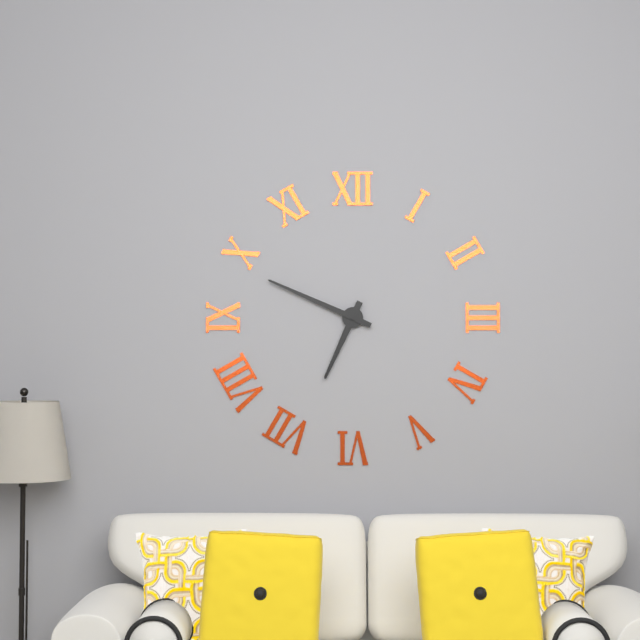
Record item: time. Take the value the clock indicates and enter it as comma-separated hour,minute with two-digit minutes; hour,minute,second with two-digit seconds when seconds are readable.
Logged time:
6,49
